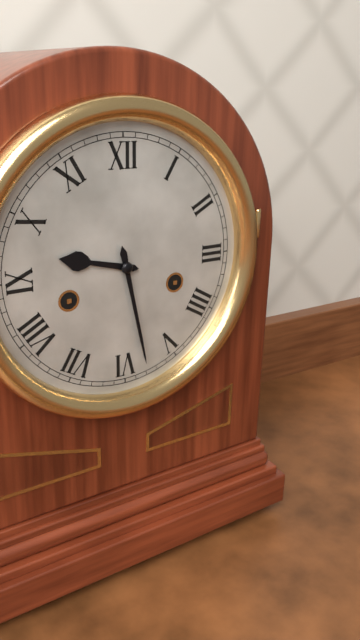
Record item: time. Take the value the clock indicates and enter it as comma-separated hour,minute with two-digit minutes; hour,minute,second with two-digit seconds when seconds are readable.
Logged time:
9,28
